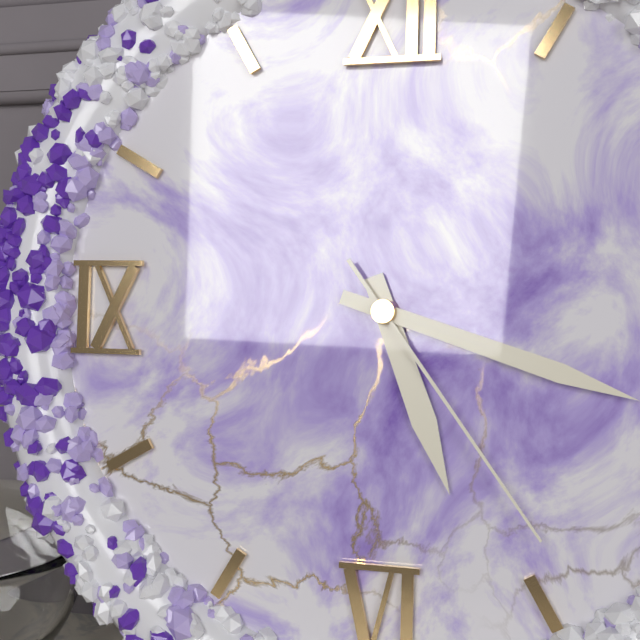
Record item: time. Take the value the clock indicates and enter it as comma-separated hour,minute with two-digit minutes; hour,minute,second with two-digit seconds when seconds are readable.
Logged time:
5,18,24
